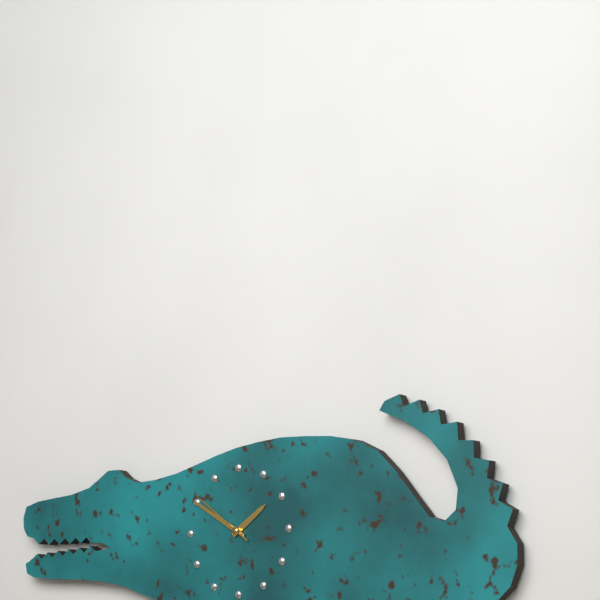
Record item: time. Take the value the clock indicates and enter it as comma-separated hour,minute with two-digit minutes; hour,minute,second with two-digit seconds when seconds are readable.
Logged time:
1,50,51
